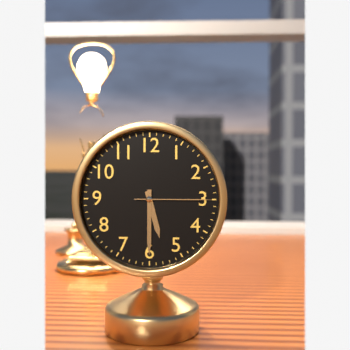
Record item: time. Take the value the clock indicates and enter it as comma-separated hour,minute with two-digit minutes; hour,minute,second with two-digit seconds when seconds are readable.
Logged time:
5,30,15
